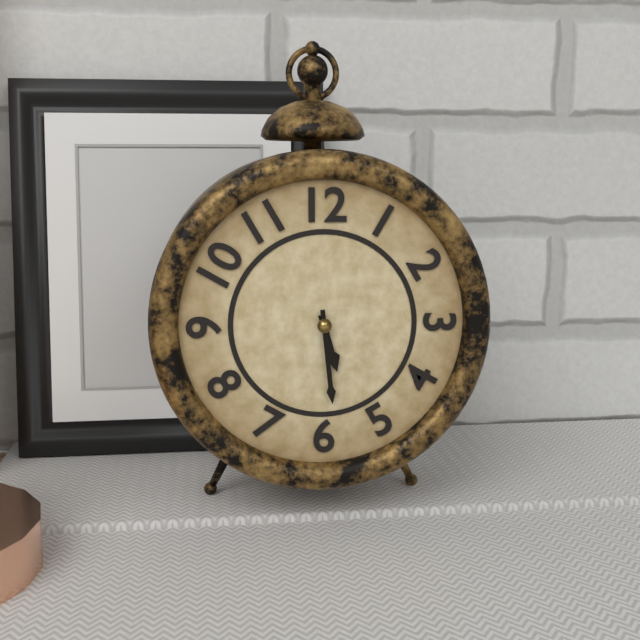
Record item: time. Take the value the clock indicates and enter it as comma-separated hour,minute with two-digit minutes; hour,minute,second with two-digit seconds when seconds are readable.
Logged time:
5,29
